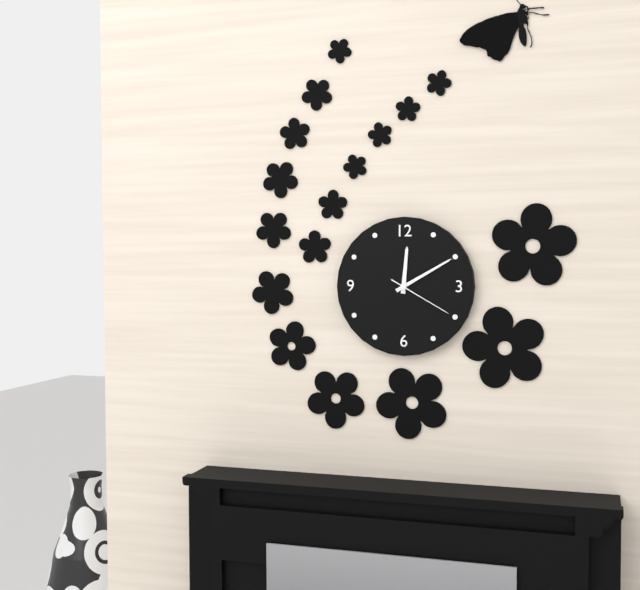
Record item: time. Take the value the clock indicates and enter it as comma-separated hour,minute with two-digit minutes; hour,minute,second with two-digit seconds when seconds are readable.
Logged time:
12,10,20
